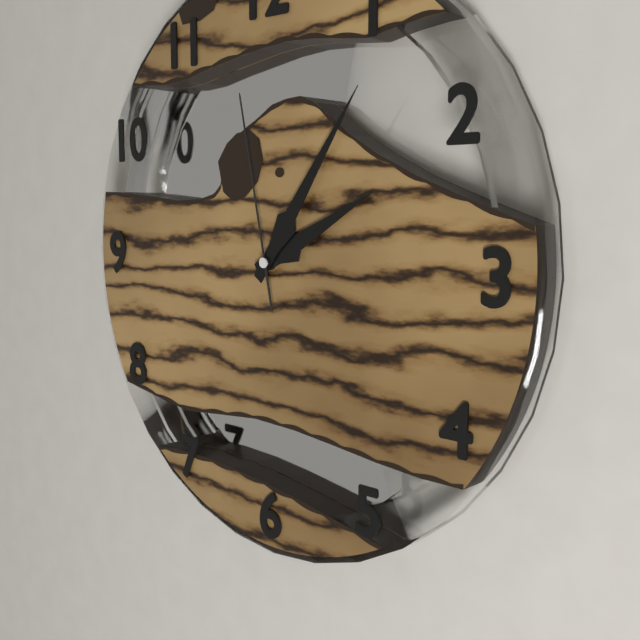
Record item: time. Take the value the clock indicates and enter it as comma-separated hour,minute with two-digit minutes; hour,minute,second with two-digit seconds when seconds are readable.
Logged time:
2,06,58
